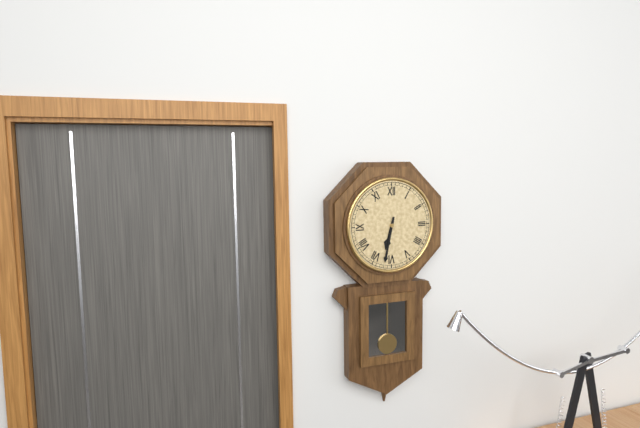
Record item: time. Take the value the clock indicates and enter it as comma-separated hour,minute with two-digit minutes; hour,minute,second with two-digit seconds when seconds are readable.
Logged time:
6,32
